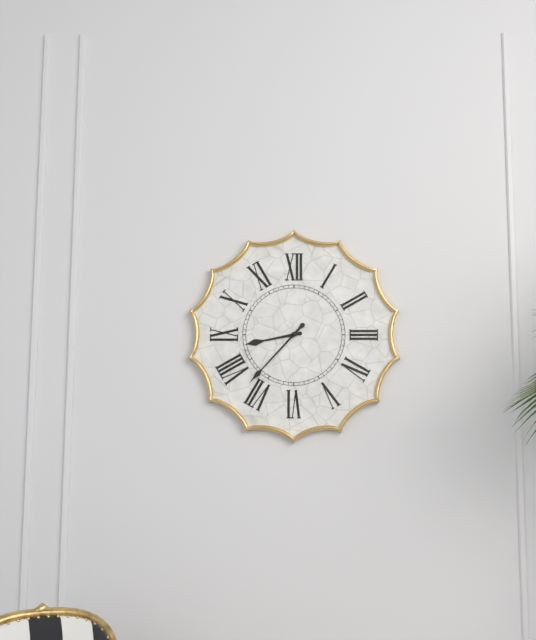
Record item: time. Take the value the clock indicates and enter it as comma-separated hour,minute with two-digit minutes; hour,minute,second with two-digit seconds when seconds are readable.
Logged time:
8,37
